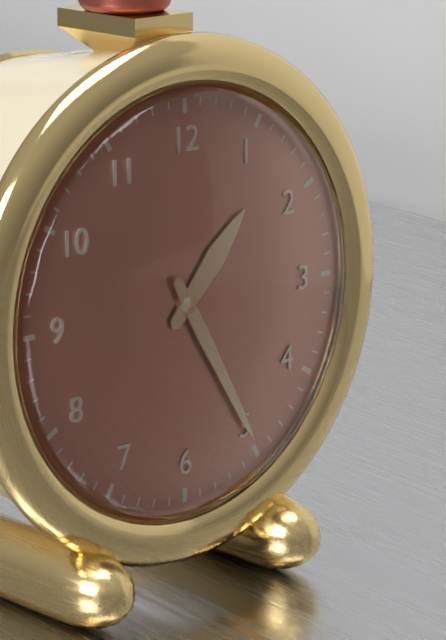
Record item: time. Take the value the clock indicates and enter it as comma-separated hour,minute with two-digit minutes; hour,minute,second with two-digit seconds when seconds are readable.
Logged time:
1,25
